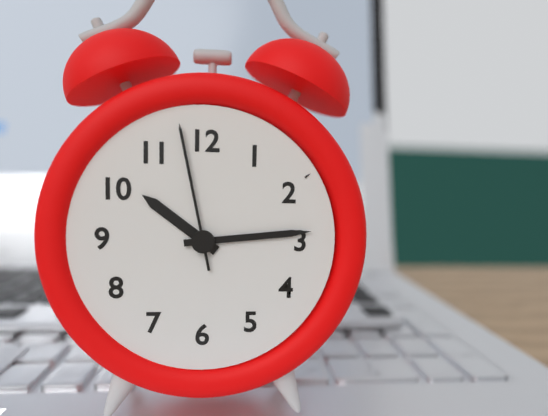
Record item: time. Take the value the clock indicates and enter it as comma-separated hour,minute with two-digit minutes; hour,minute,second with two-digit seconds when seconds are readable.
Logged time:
10,14,58
